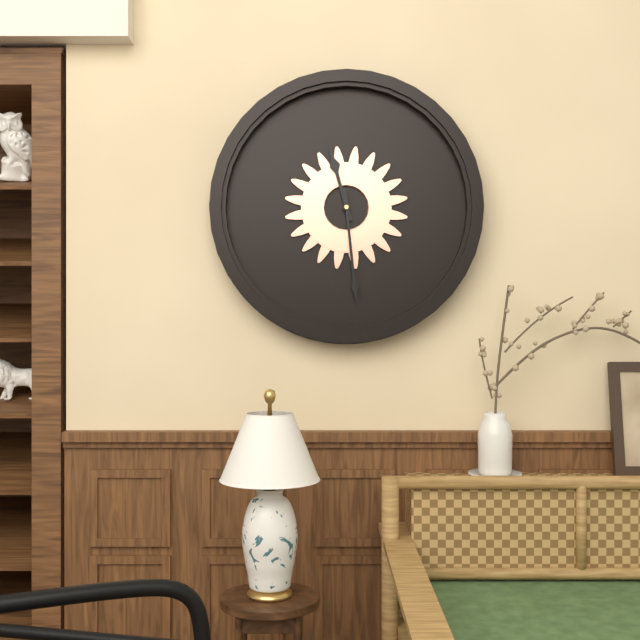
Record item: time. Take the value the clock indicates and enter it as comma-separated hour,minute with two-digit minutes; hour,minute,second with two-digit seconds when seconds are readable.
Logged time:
11,29
